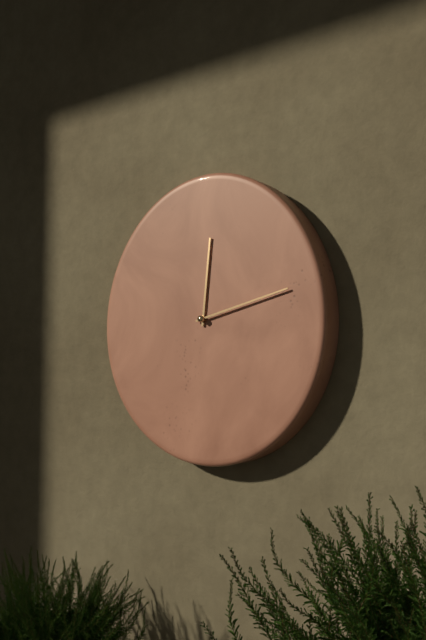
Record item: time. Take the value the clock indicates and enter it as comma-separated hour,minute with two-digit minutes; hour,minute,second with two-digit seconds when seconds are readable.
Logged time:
12,13
